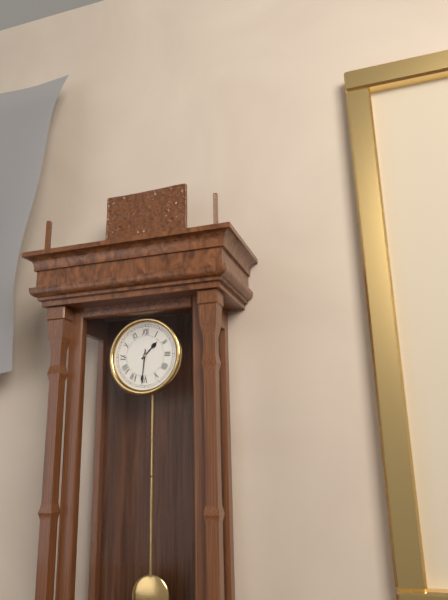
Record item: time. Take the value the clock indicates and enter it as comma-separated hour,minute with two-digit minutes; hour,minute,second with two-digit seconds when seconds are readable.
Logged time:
1,31
